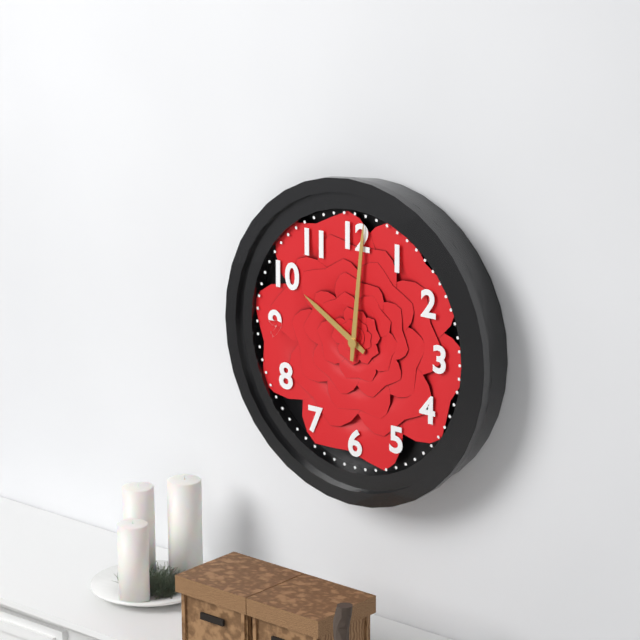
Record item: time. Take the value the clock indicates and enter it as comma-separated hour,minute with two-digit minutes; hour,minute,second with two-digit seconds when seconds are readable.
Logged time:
10,01
